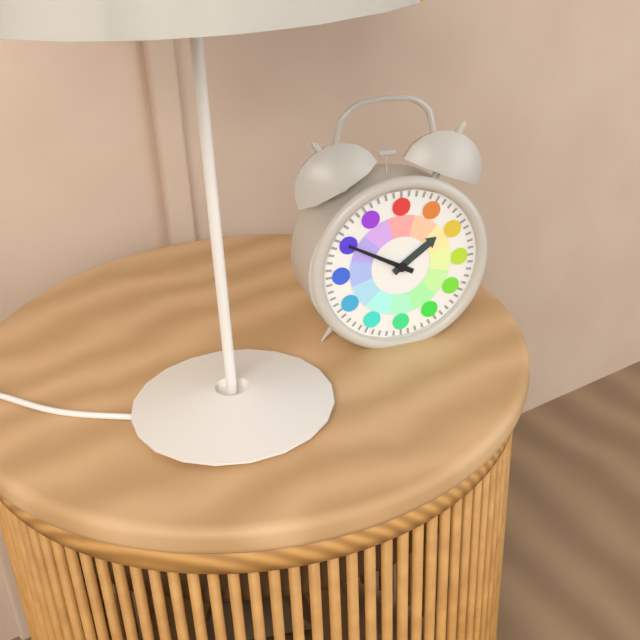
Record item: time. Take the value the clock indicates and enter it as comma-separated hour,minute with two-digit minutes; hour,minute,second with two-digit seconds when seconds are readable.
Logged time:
1,50
